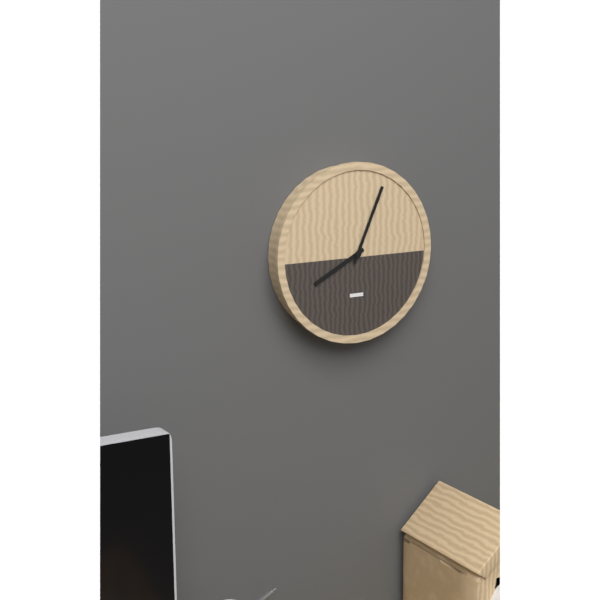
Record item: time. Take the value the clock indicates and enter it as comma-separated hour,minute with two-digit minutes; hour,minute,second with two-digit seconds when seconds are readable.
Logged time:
8,04
